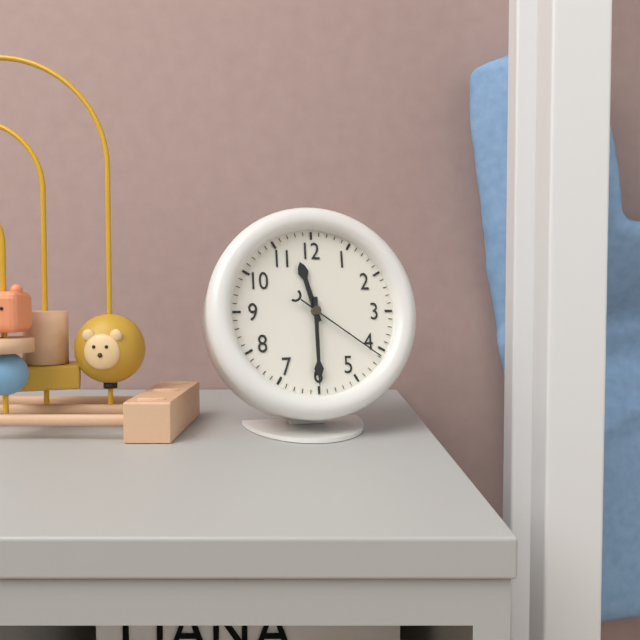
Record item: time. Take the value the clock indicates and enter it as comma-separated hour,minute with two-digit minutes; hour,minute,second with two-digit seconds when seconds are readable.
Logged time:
11,30,21
